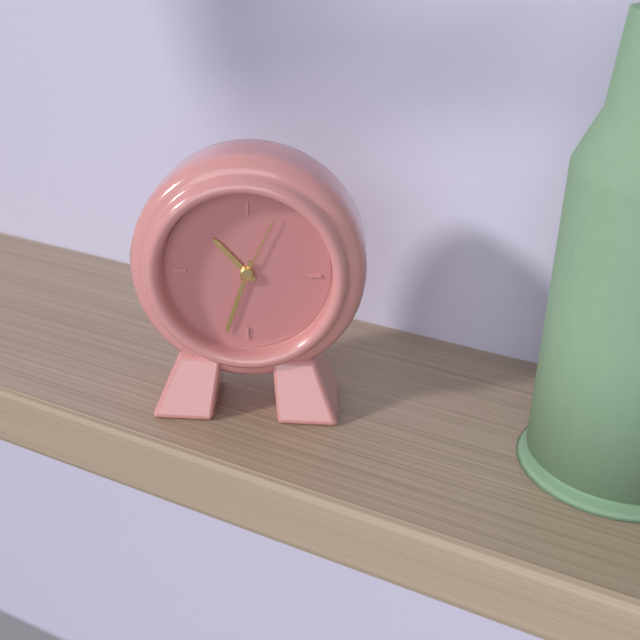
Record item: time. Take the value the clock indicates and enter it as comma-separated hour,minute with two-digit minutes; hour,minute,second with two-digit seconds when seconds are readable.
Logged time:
10,33,04
